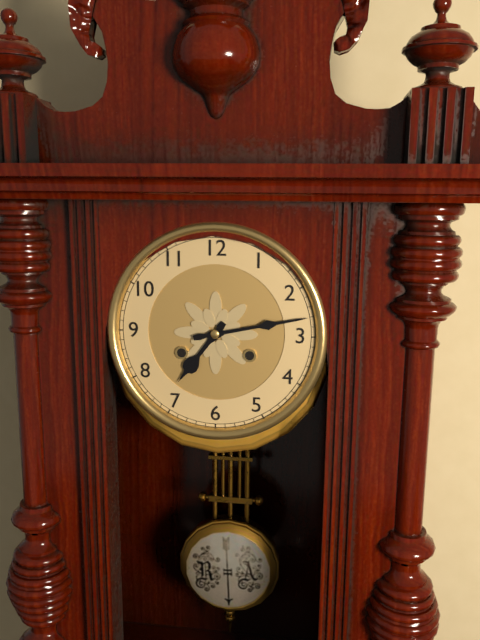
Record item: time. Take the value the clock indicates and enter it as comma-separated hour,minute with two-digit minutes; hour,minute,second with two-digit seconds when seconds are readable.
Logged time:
7,13
